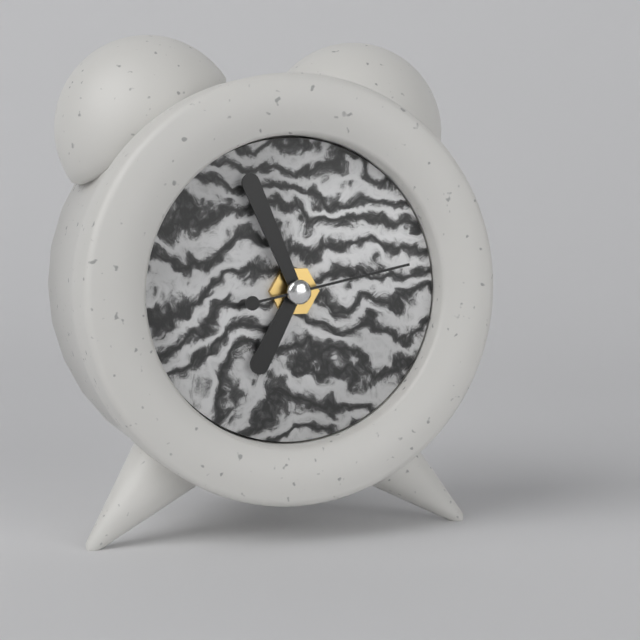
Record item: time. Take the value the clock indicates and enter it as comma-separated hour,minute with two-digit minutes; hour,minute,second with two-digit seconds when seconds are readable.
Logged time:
6,56,13
